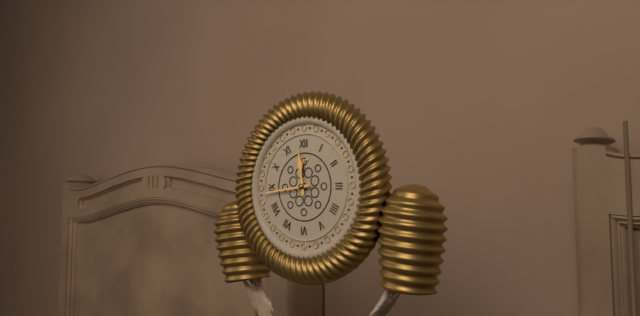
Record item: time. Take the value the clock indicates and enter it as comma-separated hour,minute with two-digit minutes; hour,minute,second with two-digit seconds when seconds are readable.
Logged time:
11,44
